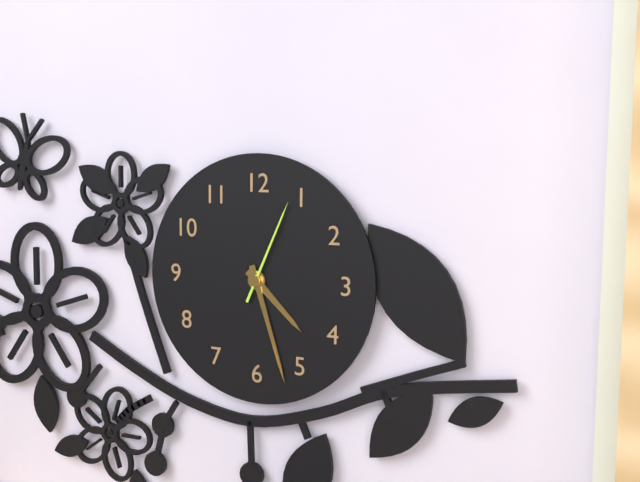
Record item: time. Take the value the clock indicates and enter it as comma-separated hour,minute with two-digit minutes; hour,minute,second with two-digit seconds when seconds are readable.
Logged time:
4,27,04
